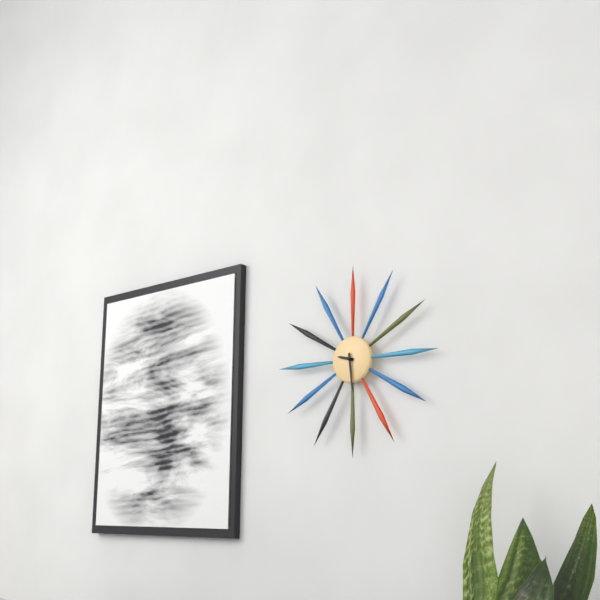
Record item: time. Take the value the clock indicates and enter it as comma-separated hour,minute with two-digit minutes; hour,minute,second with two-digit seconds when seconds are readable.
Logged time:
9,29
